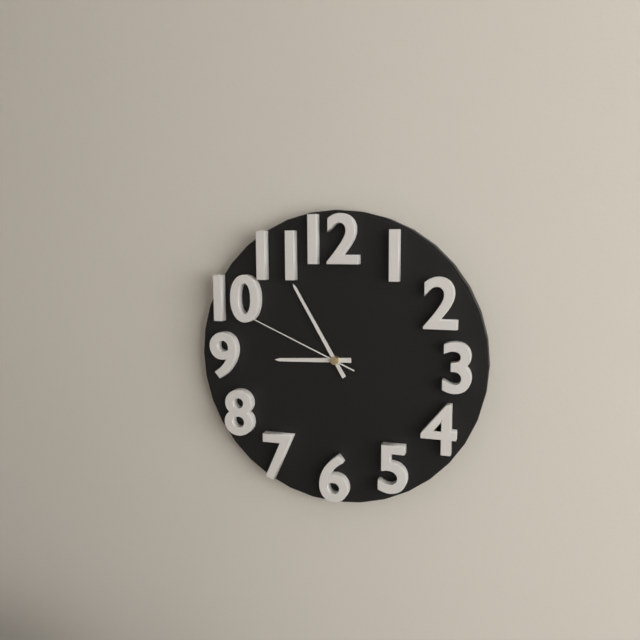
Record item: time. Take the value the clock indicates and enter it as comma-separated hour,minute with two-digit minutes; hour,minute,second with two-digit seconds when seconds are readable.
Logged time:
8,55,49
